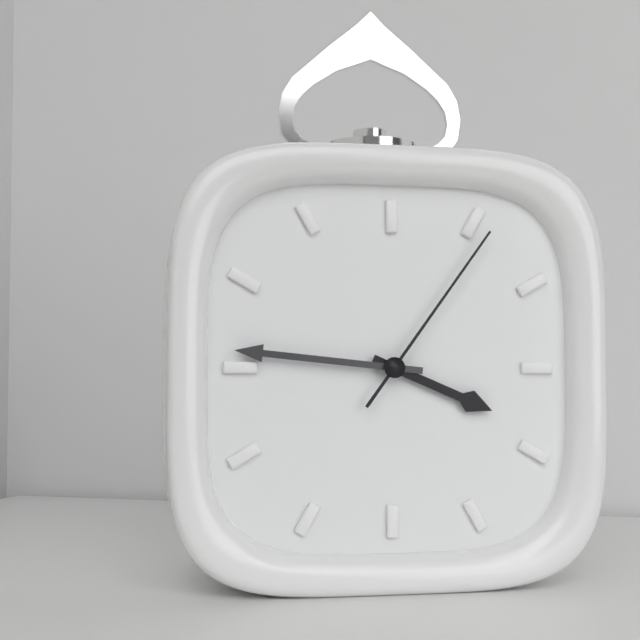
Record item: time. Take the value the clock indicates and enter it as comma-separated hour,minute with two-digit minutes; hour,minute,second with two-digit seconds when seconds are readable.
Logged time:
3,46,06
